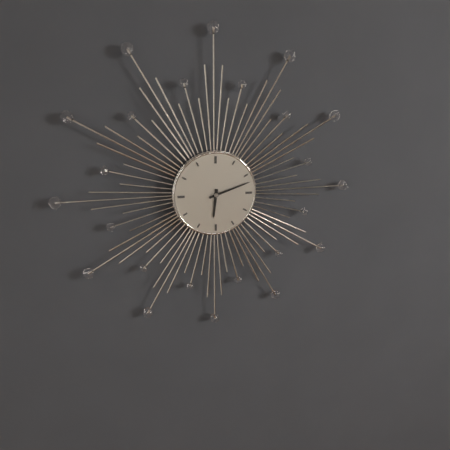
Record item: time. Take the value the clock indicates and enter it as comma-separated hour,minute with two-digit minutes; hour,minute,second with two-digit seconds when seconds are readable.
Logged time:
6,12
